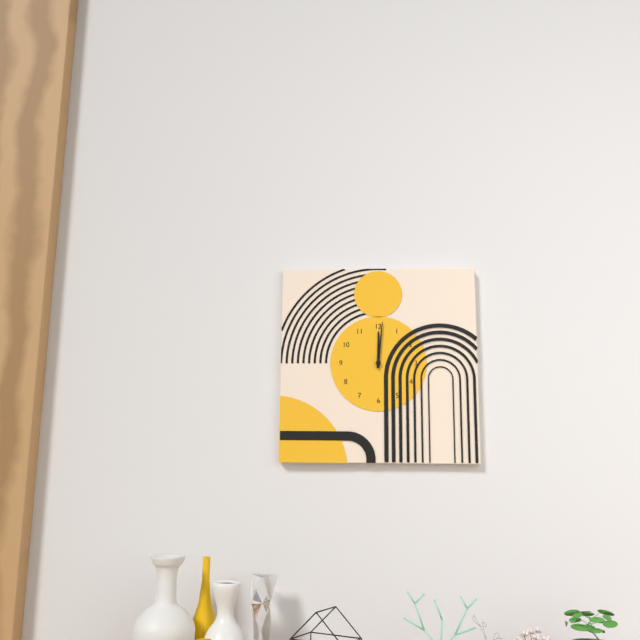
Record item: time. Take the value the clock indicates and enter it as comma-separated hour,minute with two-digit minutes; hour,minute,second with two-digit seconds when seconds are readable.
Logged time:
12,01
